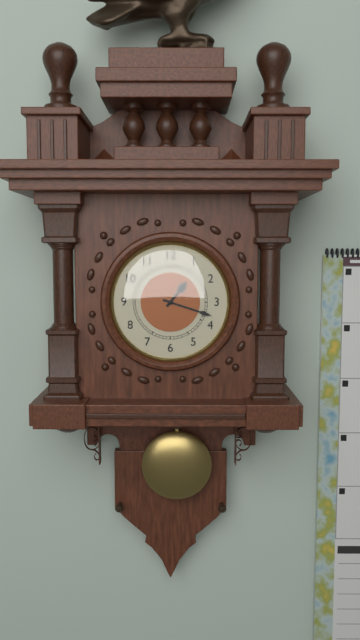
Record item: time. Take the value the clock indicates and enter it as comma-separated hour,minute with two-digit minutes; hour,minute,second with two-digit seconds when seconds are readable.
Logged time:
1,18
